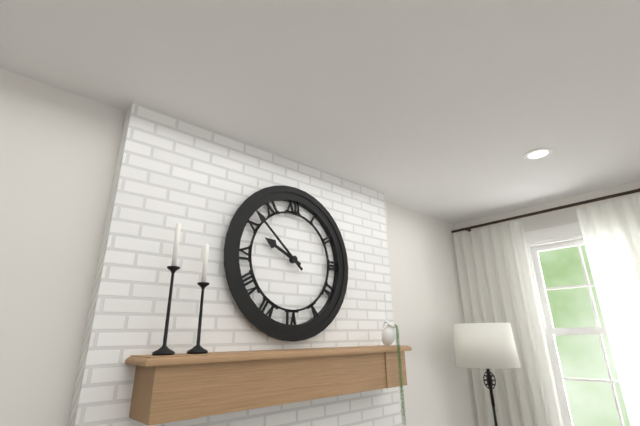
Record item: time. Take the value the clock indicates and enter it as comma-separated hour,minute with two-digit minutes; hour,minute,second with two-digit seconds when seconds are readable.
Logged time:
9,52
